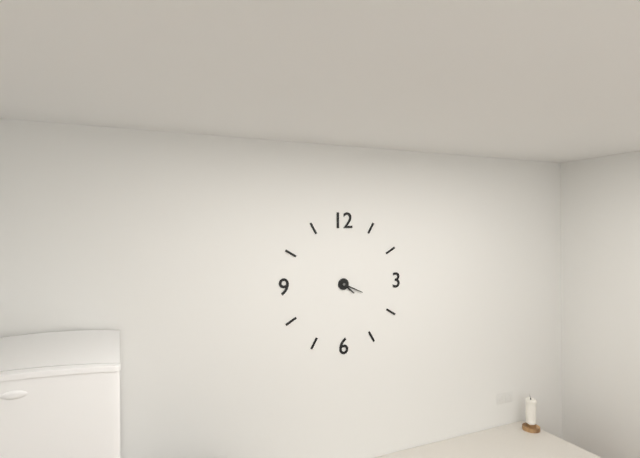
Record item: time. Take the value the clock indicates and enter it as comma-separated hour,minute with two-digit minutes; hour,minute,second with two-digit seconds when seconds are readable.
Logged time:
4,19
